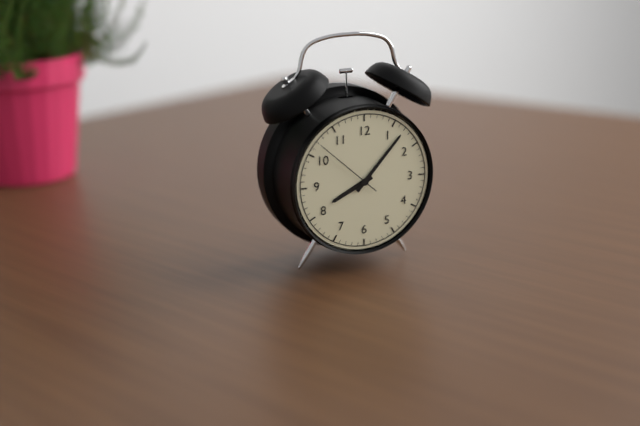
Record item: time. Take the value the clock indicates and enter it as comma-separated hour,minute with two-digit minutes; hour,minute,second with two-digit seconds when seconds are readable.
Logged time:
8,07,52
